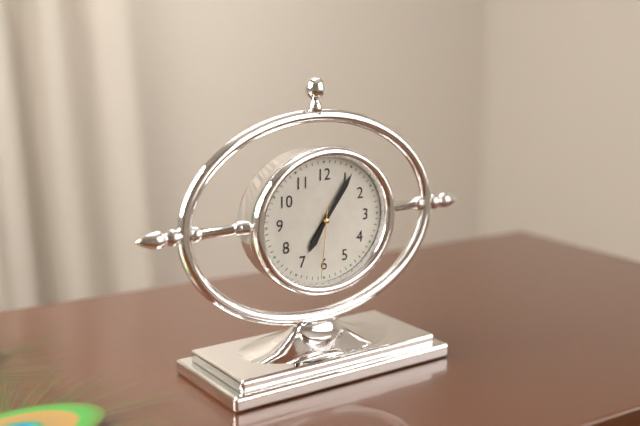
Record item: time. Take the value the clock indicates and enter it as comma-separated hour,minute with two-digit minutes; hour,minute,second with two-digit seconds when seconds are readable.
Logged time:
7,06,31
